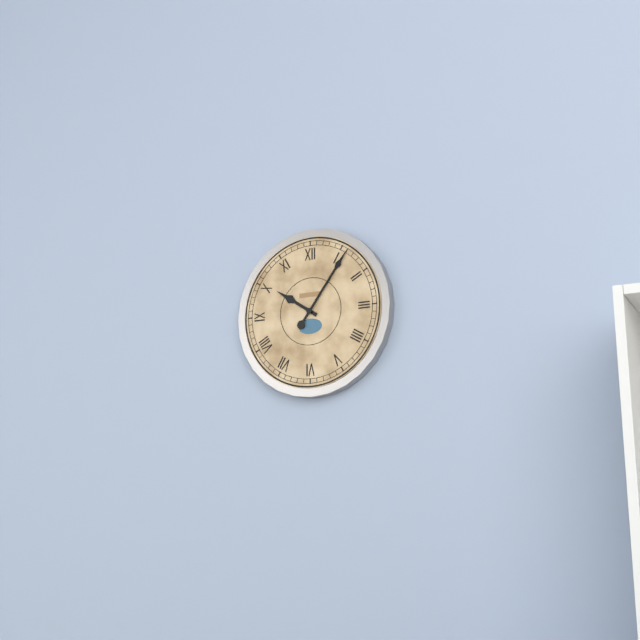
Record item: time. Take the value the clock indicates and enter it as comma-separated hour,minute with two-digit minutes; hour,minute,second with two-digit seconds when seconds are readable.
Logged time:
10,06
